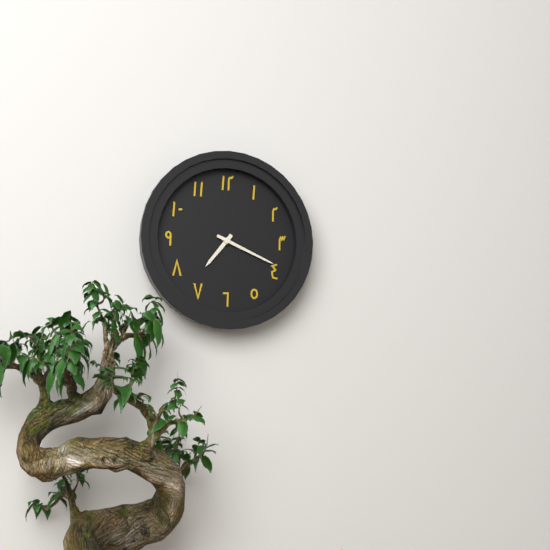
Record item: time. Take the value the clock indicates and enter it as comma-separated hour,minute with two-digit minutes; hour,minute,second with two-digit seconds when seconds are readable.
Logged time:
7,19
